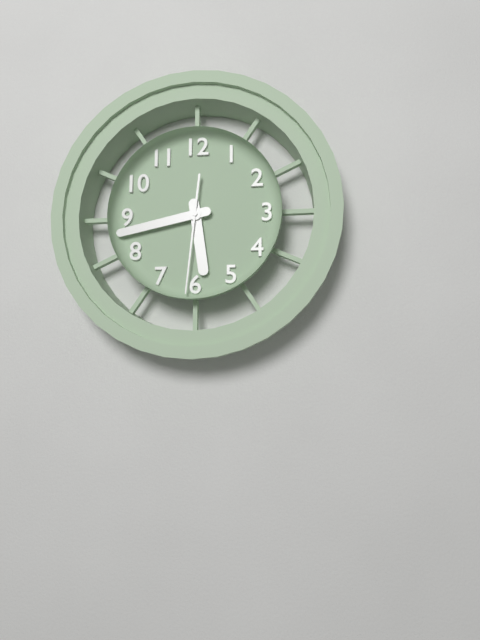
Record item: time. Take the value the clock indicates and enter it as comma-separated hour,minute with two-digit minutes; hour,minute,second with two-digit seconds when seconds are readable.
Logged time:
5,43,31
